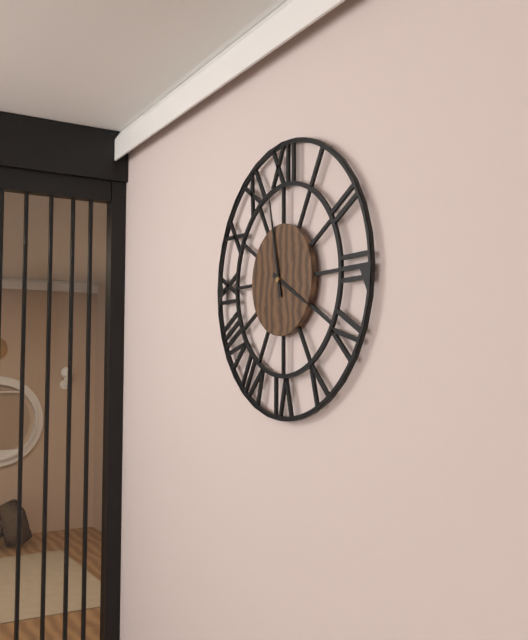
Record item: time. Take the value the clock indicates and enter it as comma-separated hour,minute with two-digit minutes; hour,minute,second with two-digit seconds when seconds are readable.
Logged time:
3,58
